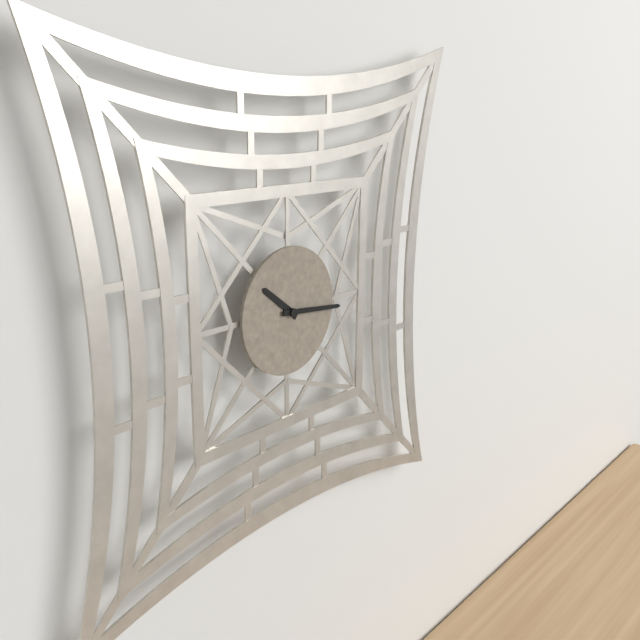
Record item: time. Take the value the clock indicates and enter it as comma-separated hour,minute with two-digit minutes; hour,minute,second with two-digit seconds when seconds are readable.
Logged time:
10,16
